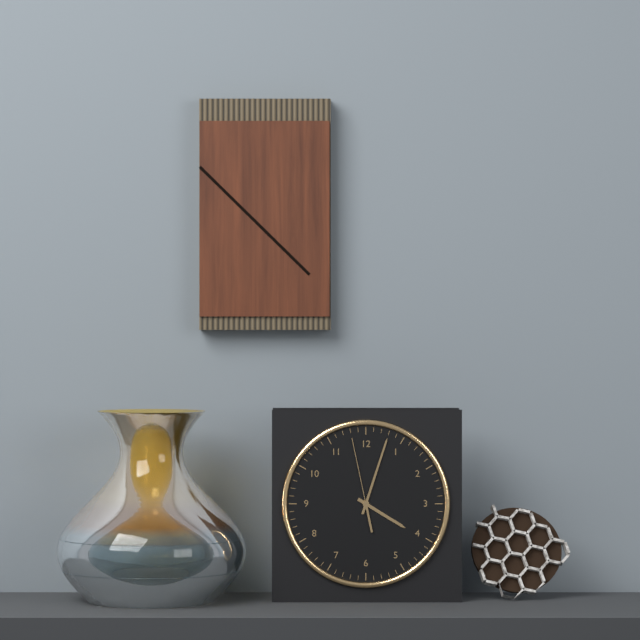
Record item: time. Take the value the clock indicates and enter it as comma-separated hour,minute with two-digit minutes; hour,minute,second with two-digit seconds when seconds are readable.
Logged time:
4,03,58
